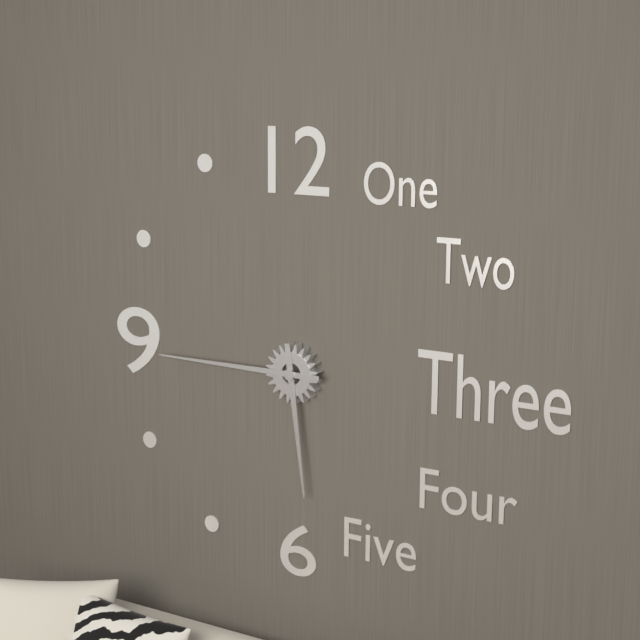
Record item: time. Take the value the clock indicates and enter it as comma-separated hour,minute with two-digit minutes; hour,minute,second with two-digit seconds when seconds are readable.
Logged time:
5,45
